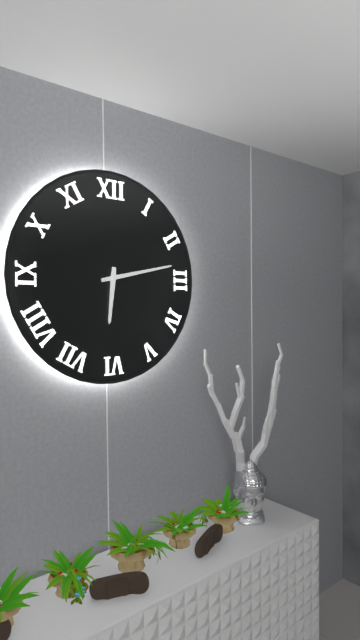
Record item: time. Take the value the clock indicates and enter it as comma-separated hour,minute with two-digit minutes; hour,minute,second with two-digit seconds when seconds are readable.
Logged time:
6,13
